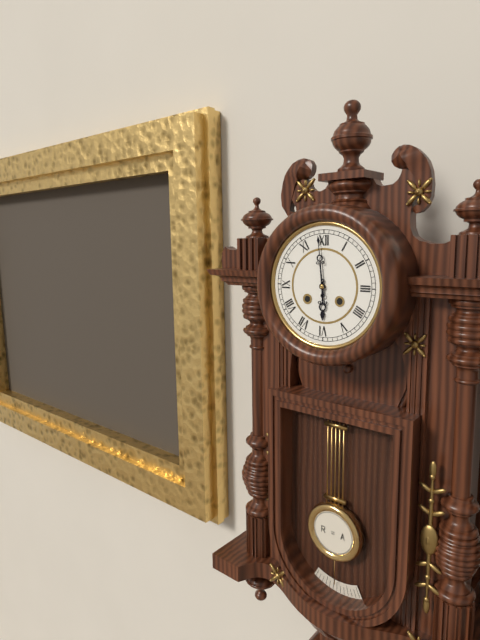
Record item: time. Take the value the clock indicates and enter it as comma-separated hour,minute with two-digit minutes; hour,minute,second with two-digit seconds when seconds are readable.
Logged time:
5,59
